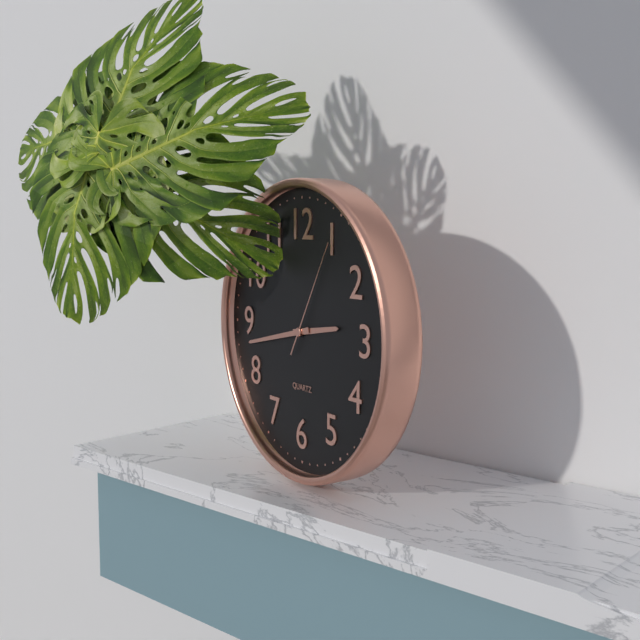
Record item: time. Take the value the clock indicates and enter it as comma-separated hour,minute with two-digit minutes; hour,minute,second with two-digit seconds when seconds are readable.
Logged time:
2,43,05
